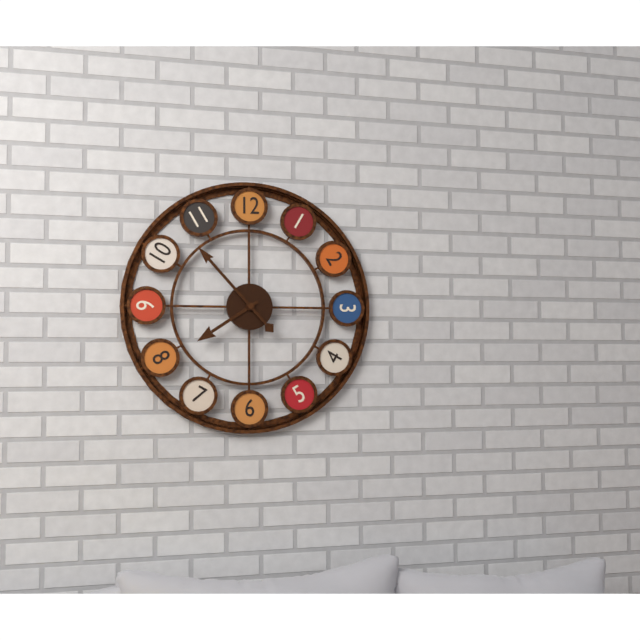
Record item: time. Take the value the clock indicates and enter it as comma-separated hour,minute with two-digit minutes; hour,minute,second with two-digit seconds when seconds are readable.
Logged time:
7,53
